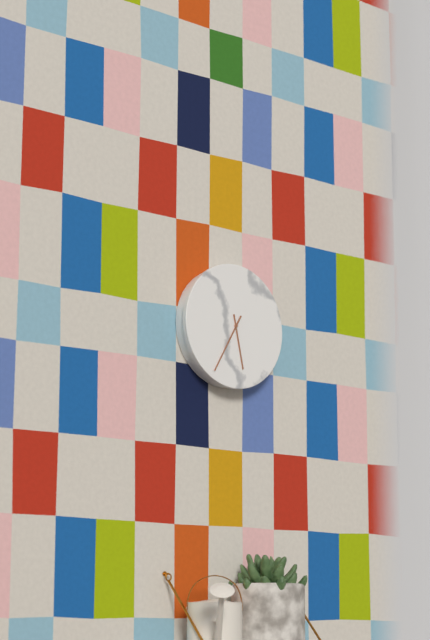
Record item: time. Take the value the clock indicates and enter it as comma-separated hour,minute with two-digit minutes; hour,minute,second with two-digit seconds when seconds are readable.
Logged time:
5,35
